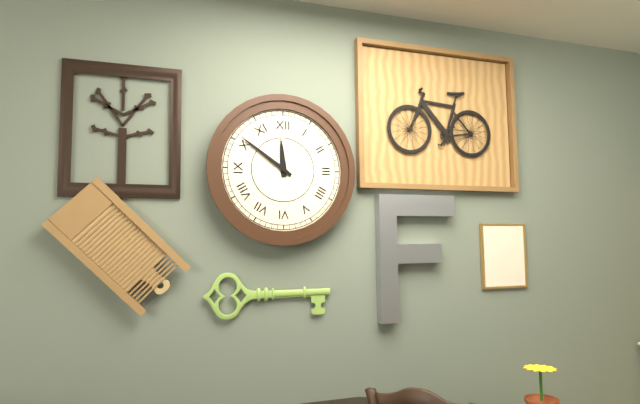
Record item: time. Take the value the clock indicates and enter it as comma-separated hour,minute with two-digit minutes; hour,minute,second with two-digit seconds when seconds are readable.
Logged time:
11,51
